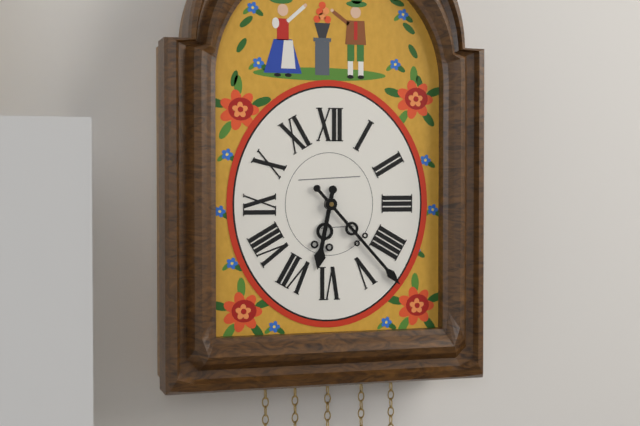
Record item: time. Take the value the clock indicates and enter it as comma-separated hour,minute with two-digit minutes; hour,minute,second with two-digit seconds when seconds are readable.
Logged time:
6,23
